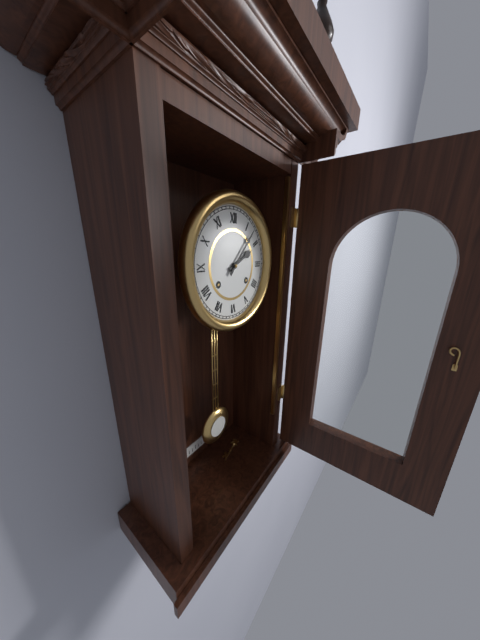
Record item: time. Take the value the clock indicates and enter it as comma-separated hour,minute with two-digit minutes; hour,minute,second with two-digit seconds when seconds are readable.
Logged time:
2,07
